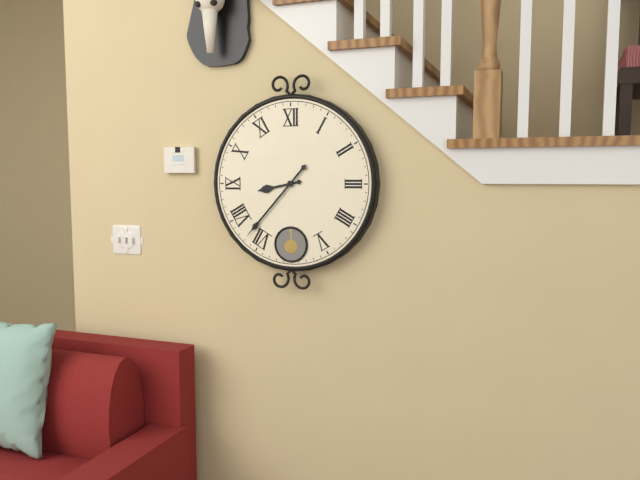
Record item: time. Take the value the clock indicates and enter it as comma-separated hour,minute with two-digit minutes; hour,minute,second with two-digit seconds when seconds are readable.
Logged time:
8,37
